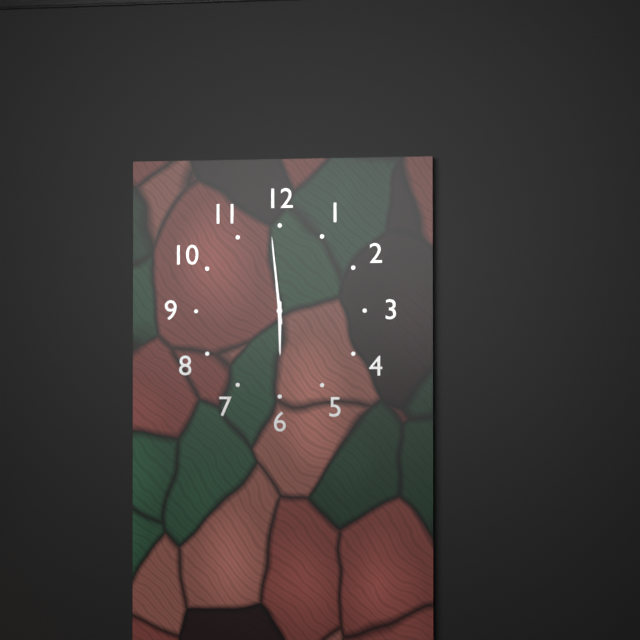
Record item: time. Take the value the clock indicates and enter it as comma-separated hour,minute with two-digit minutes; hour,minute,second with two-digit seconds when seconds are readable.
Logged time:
5,59
